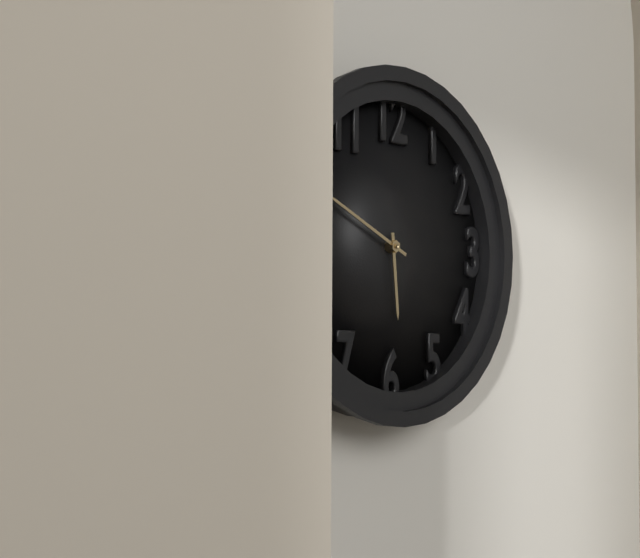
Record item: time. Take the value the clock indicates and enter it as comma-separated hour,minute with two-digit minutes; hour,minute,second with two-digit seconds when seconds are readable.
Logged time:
5,49
